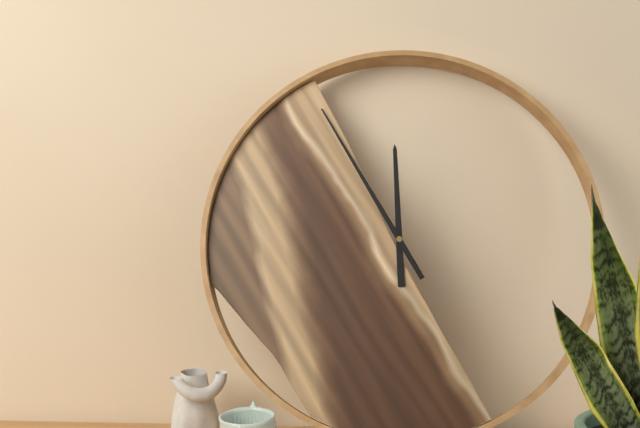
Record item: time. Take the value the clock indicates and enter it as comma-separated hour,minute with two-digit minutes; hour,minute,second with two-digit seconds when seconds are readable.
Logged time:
11,55
